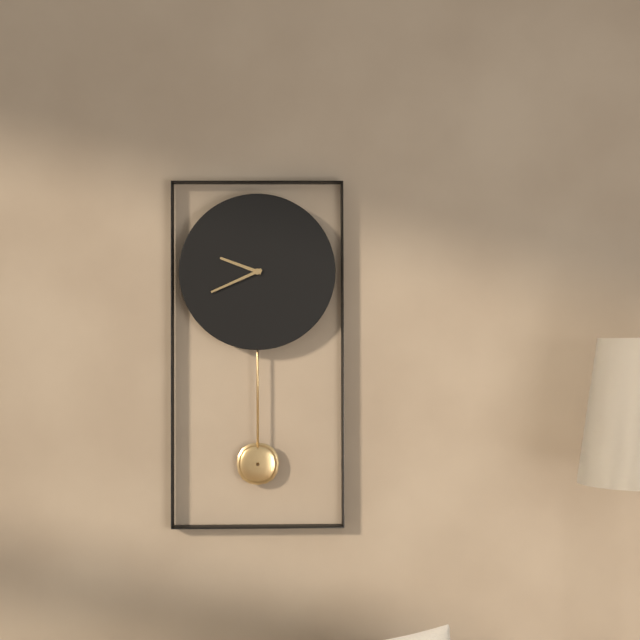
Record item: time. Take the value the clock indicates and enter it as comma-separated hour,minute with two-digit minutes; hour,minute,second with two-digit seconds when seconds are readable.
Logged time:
9,41
